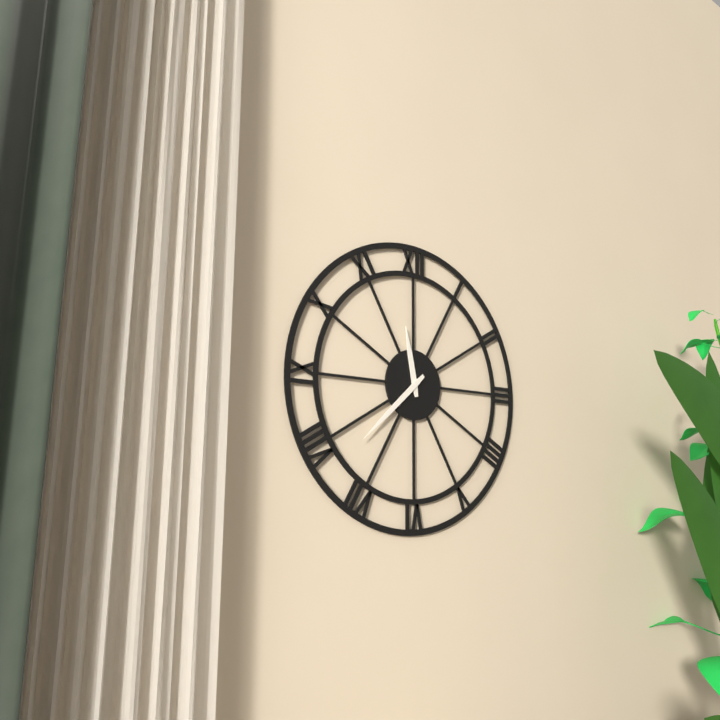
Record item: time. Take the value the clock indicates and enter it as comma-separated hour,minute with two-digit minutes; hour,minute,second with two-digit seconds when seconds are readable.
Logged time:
11,38
